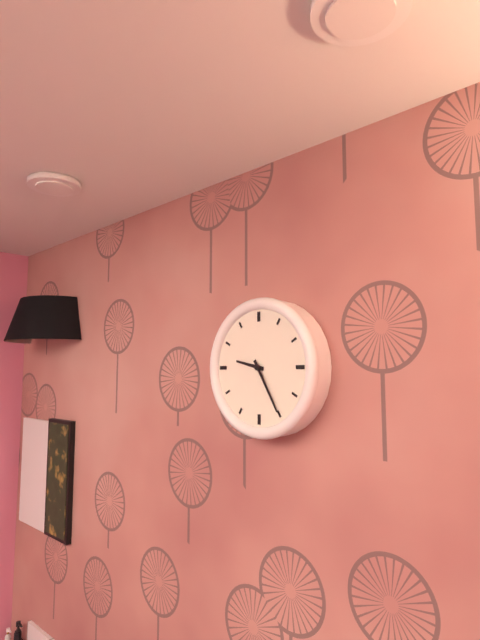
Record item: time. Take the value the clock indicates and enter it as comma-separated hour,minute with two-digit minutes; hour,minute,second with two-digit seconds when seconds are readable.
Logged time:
9,25
